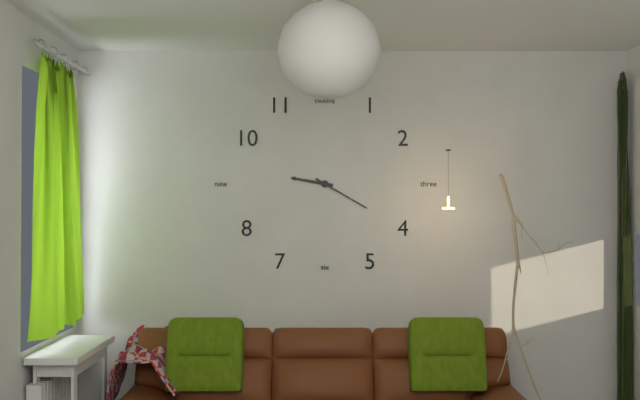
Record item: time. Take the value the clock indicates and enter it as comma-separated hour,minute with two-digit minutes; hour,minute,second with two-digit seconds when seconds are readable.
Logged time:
9,20
